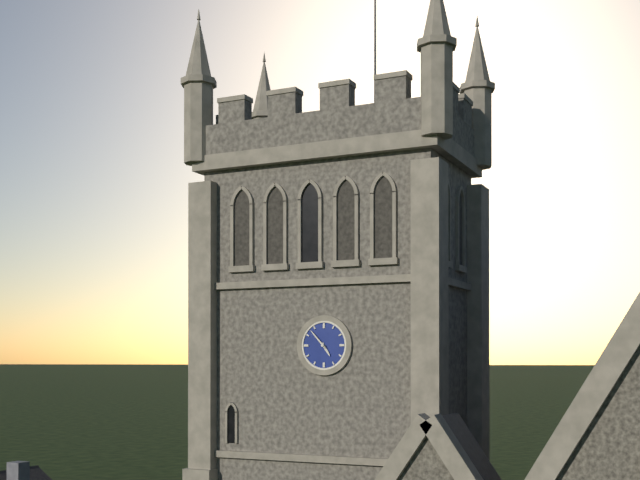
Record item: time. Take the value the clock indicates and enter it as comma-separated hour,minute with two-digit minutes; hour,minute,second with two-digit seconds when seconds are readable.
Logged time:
4,53
